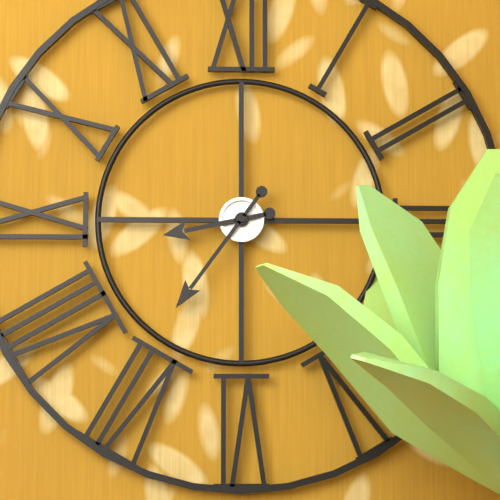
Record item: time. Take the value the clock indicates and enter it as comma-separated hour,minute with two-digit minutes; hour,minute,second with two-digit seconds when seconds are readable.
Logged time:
8,36
